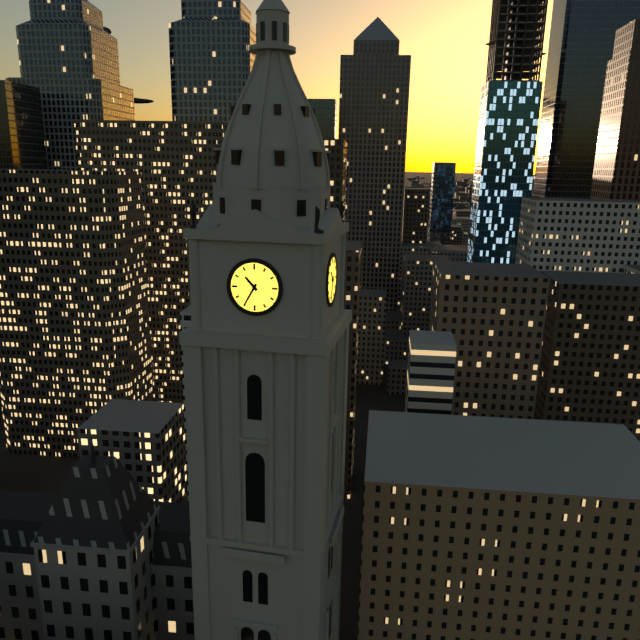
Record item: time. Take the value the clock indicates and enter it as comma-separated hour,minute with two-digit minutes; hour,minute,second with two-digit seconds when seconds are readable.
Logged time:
10,35
